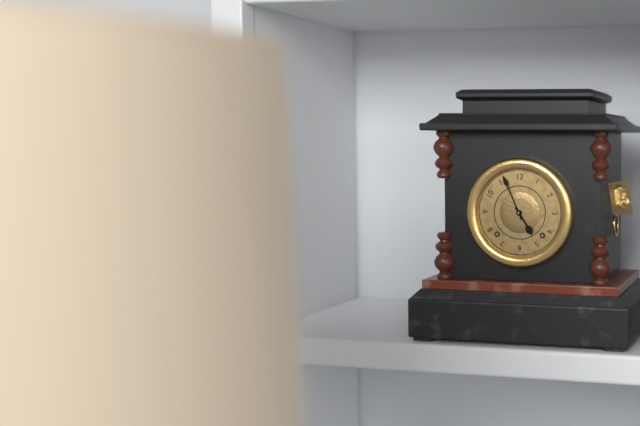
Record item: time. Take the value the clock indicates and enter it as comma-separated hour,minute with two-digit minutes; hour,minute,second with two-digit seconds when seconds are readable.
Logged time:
4,56
